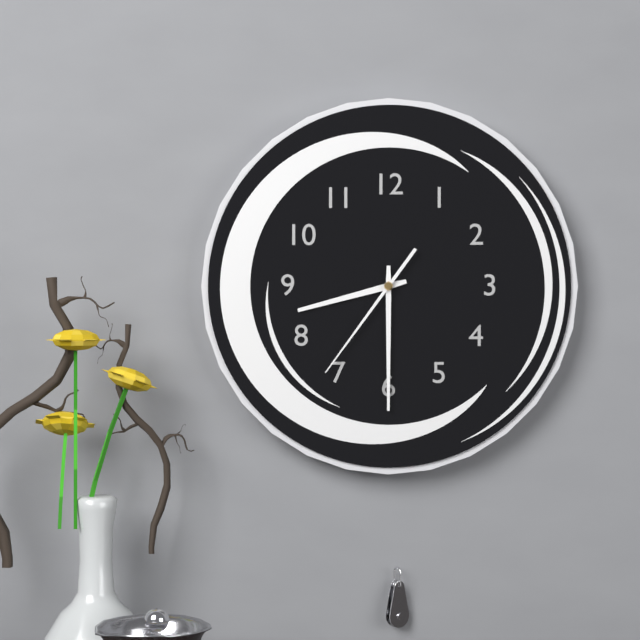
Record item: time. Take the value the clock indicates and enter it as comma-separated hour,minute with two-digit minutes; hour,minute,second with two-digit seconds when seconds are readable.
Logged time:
8,30,36
